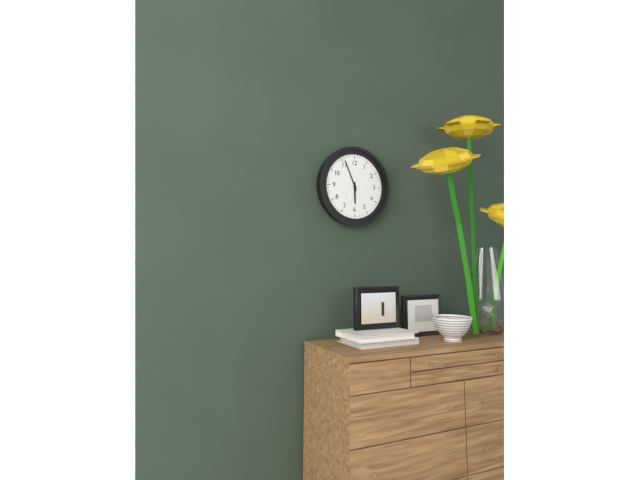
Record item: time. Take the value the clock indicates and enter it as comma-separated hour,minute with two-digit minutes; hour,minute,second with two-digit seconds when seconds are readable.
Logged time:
5,56
